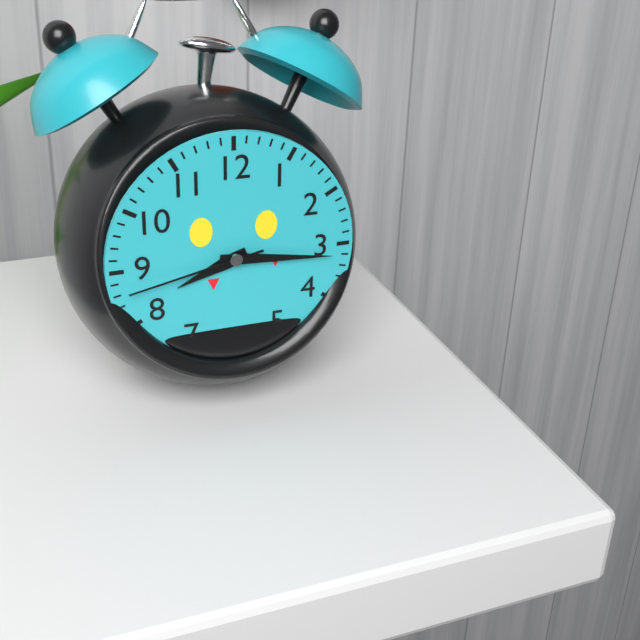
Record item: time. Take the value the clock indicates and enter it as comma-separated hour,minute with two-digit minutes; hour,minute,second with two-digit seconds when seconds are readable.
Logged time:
8,16,43
